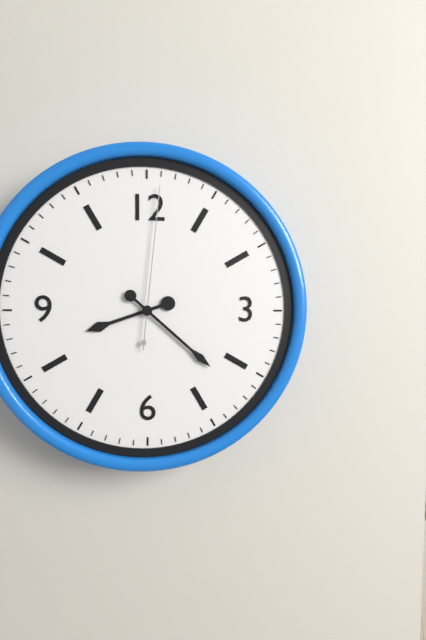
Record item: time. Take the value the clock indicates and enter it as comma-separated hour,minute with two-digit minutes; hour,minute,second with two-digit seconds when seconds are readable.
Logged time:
8,22,01
